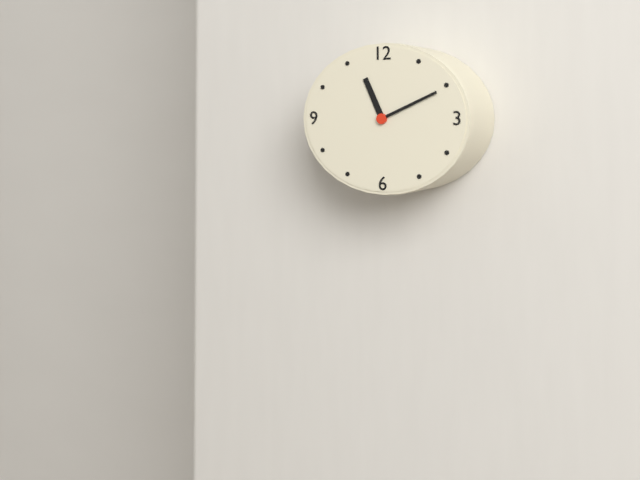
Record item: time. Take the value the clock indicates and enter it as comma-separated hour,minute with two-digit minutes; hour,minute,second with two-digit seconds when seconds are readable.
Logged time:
11,11
